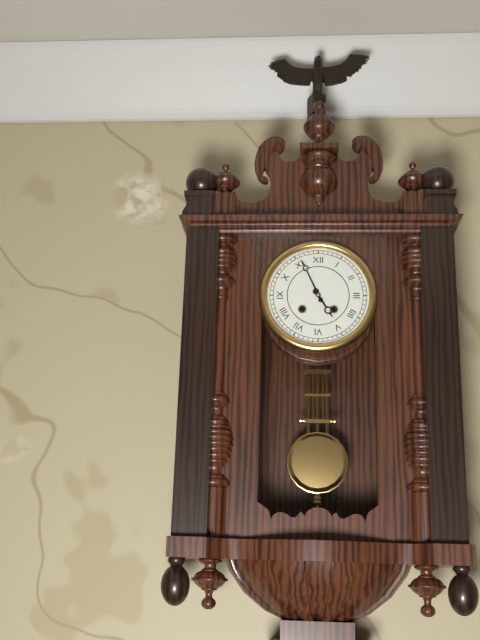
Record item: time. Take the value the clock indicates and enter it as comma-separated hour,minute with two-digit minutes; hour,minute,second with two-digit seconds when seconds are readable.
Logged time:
4,56
